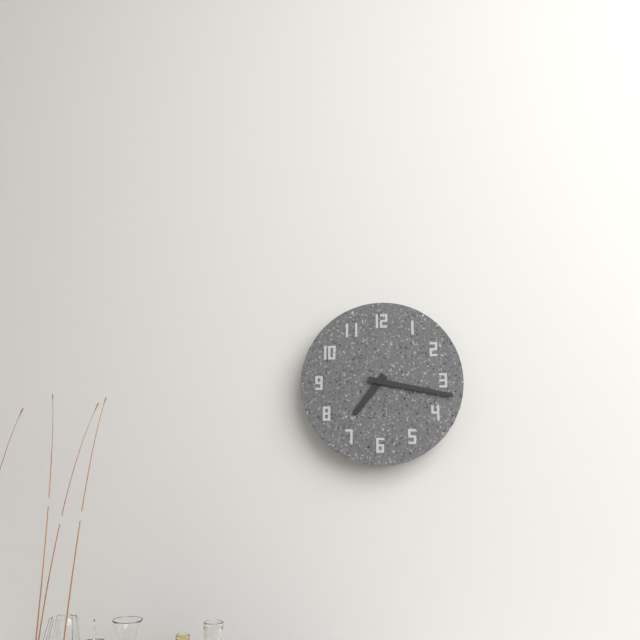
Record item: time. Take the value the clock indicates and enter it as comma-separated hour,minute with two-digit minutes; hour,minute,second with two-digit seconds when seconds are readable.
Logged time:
7,17
